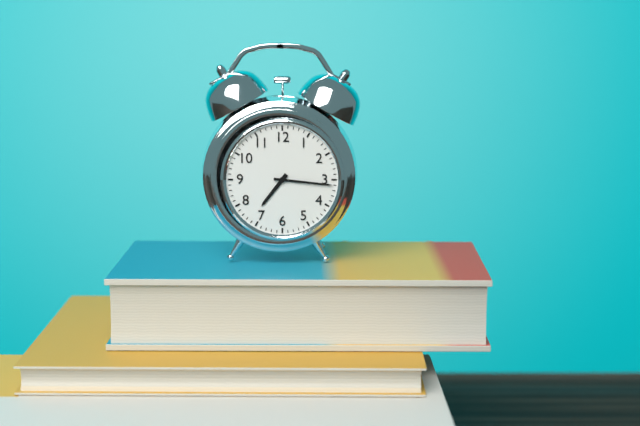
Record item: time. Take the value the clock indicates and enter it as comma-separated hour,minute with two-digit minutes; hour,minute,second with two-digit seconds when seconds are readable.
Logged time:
7,16
